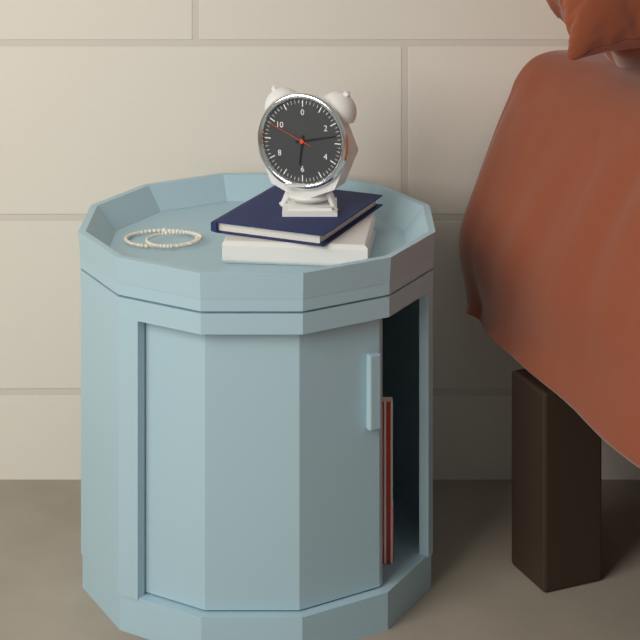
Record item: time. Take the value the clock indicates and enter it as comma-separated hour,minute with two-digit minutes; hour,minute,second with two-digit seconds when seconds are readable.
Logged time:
6,13
